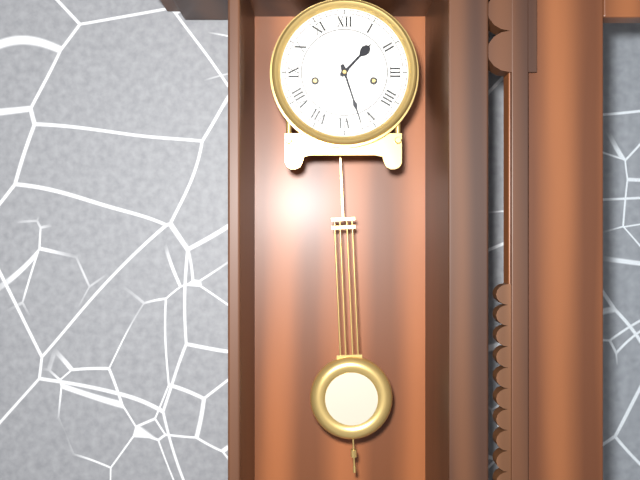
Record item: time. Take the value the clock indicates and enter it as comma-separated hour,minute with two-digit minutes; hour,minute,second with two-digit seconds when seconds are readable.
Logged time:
1,27
